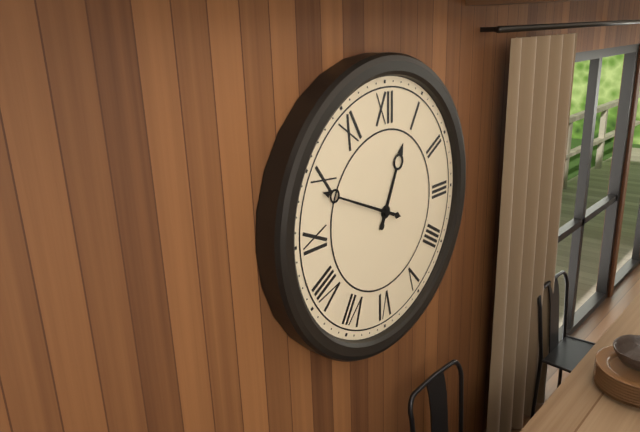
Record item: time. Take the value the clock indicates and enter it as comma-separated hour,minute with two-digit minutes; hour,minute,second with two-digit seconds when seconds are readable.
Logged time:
12,49
